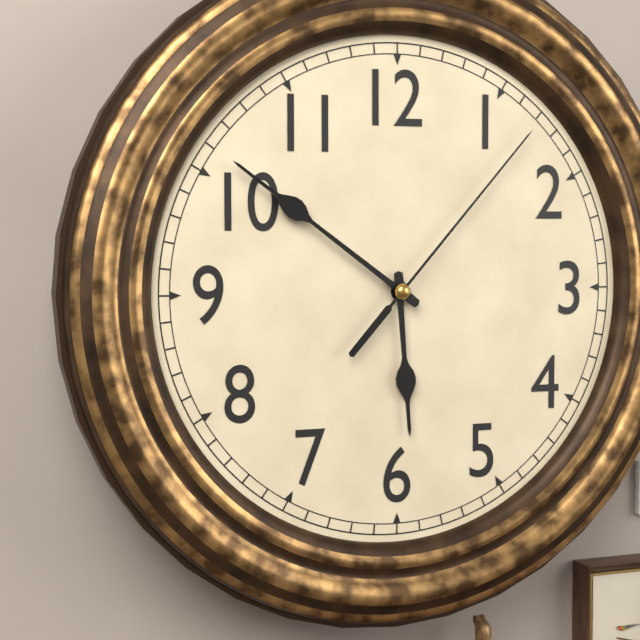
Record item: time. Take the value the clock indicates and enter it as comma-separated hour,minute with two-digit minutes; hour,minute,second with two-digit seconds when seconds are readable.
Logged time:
5,51,07
